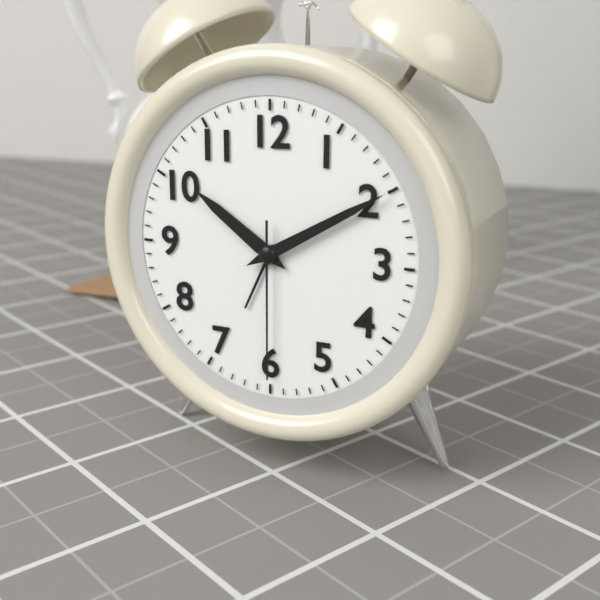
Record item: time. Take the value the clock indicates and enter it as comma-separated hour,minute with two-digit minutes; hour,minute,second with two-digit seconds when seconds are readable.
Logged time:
10,10,30
